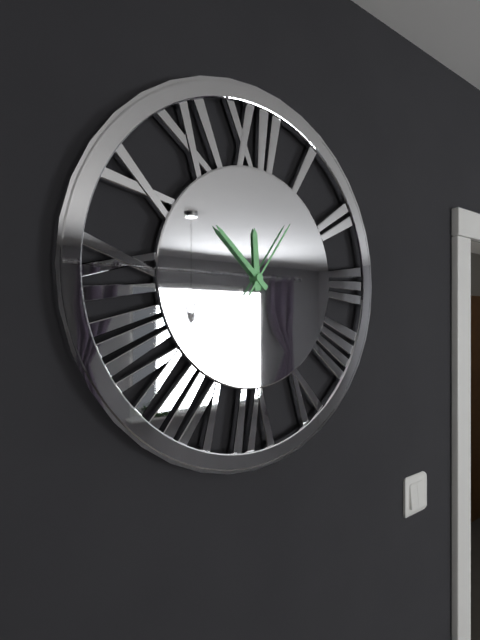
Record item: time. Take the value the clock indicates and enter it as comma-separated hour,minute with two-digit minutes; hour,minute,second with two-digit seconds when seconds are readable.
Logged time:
11,52,06
